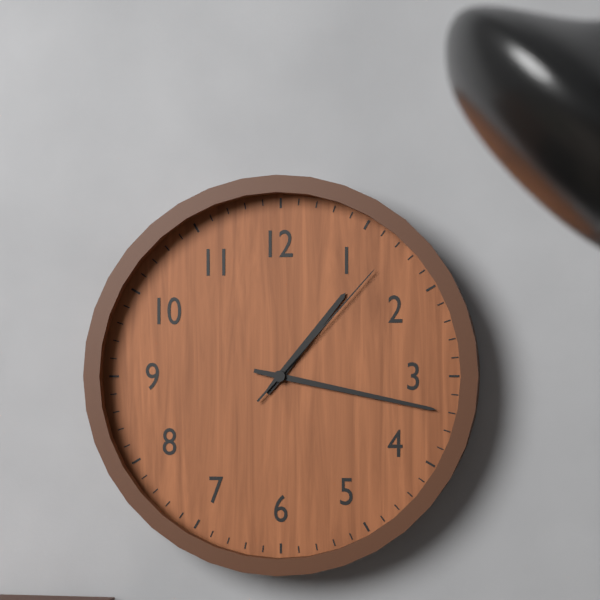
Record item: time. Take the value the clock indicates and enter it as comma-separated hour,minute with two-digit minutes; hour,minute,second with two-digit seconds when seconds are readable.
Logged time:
1,17,07
